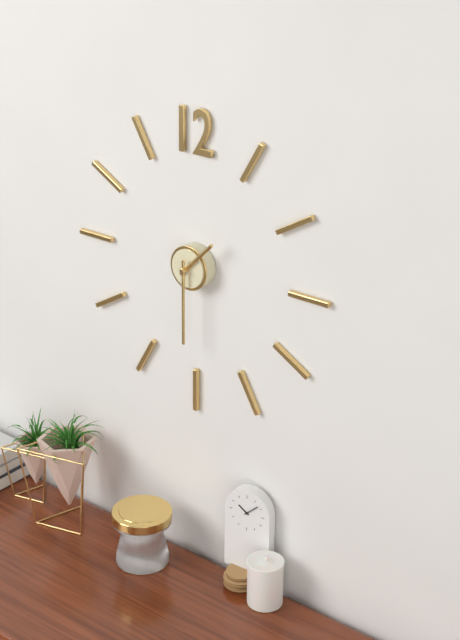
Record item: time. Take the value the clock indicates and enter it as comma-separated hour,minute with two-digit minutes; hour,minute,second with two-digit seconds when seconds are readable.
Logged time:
1,30
